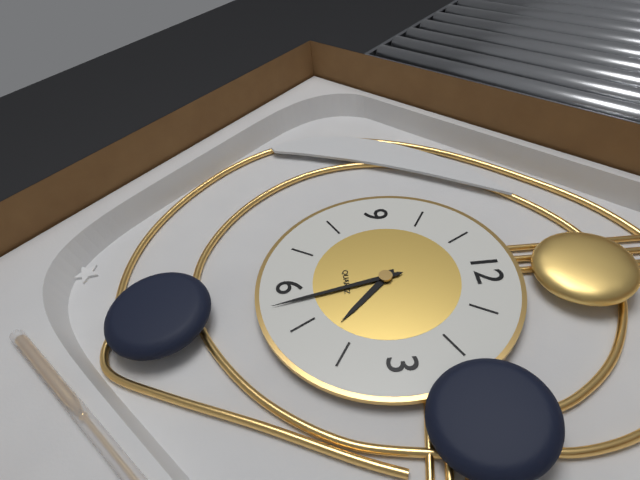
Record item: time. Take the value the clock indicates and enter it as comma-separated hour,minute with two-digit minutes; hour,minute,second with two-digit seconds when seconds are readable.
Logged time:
4,28
